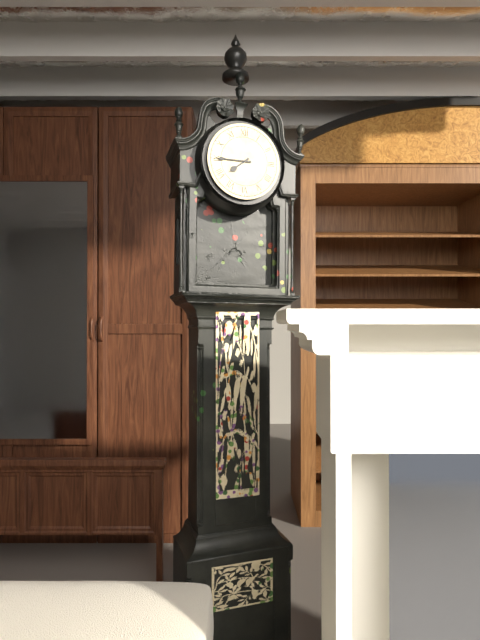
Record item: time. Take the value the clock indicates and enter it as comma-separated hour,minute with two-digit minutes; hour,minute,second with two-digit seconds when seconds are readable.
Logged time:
7,45
